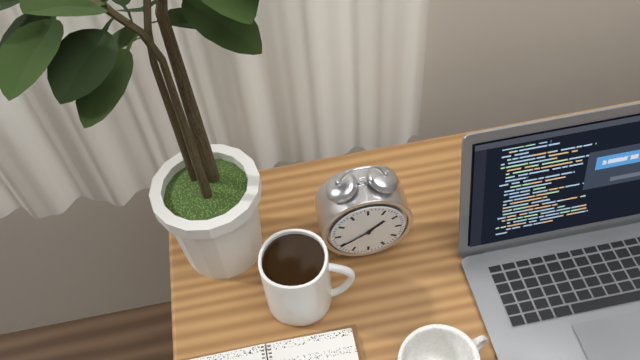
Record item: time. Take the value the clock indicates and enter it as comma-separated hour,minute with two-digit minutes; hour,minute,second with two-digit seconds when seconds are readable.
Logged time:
1,40
